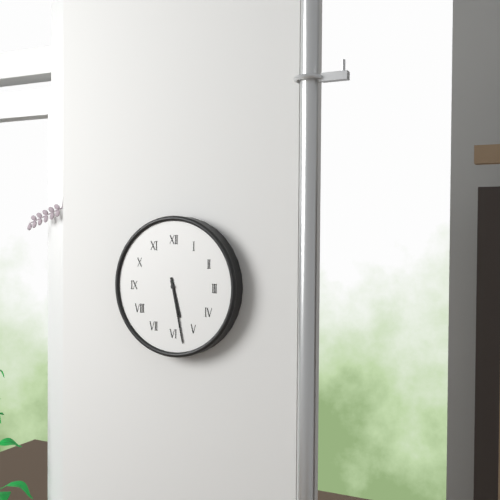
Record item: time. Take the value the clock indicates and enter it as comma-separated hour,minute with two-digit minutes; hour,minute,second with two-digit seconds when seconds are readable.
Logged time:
5,28
